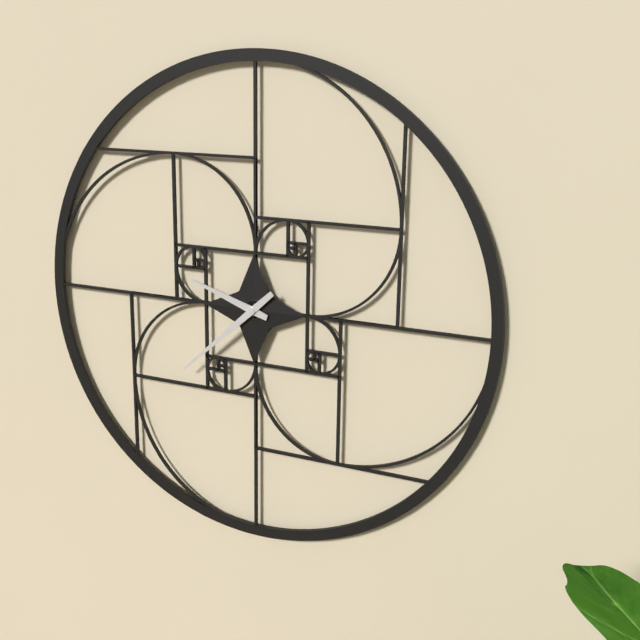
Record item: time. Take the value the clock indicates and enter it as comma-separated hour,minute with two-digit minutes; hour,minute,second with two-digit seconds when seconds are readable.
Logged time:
9,38
